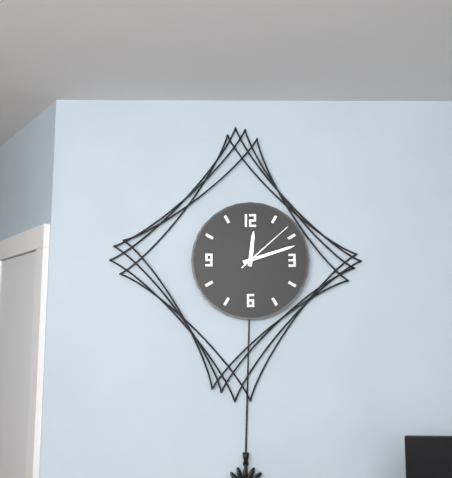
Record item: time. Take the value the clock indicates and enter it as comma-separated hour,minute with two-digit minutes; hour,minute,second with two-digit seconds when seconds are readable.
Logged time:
12,12,08
